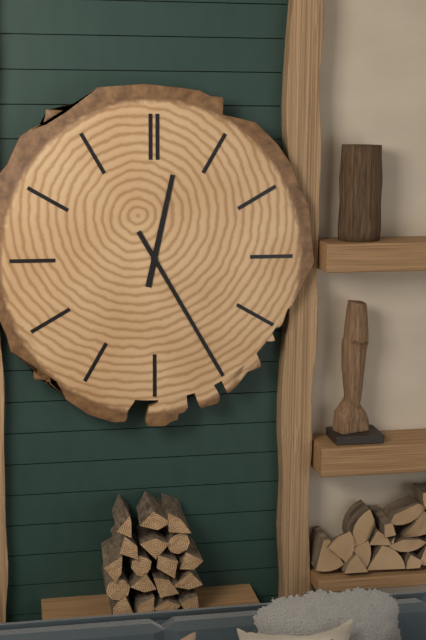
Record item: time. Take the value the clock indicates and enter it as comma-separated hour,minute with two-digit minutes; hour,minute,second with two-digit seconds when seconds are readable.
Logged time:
12,25
